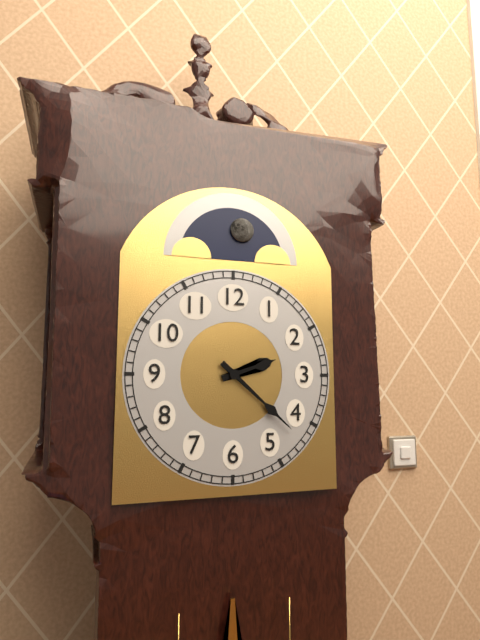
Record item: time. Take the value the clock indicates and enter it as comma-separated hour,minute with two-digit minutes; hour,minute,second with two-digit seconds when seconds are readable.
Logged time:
2,22
